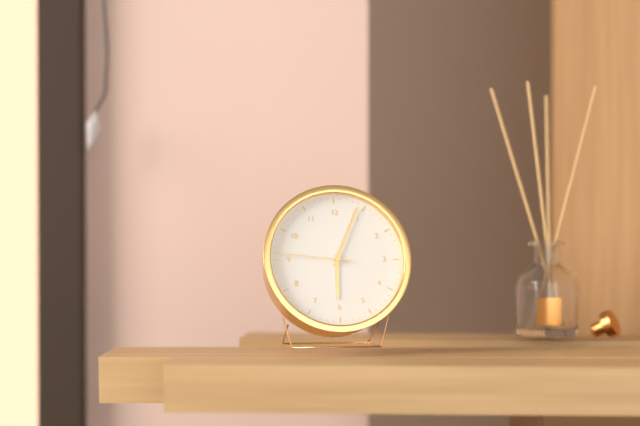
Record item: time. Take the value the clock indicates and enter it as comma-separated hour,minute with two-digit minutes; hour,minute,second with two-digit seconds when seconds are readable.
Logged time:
6,04,46
